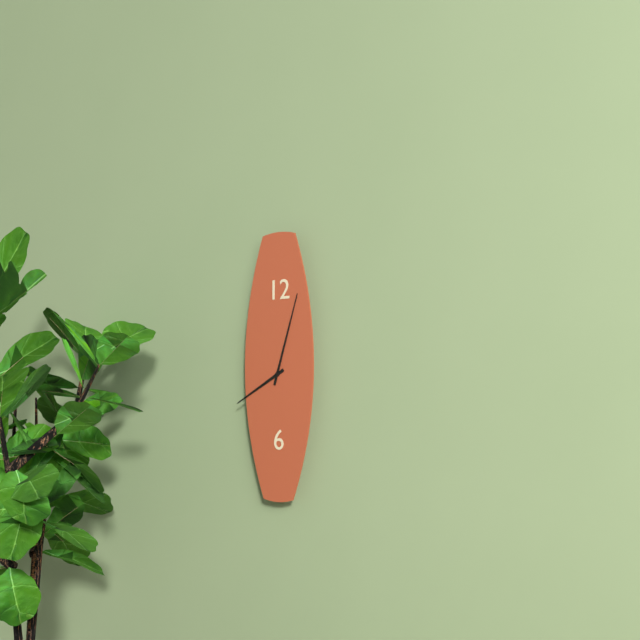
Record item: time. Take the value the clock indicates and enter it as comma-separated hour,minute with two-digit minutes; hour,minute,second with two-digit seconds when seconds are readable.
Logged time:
8,03
